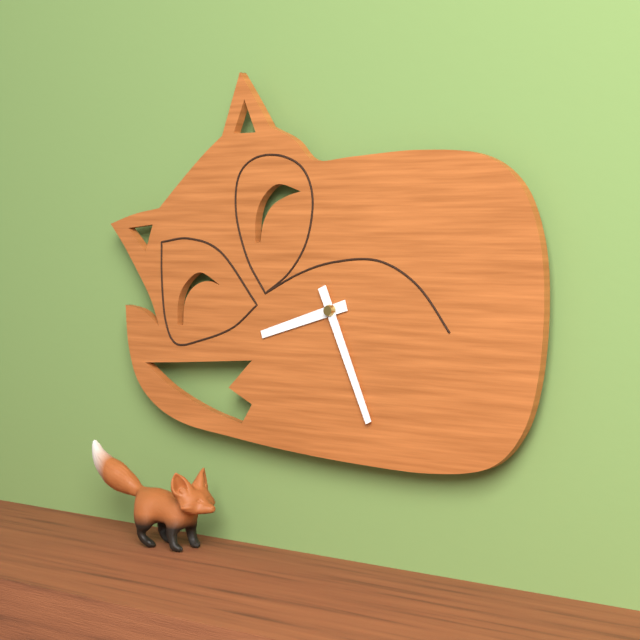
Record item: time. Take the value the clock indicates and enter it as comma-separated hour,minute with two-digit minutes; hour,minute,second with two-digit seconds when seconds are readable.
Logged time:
8,26
